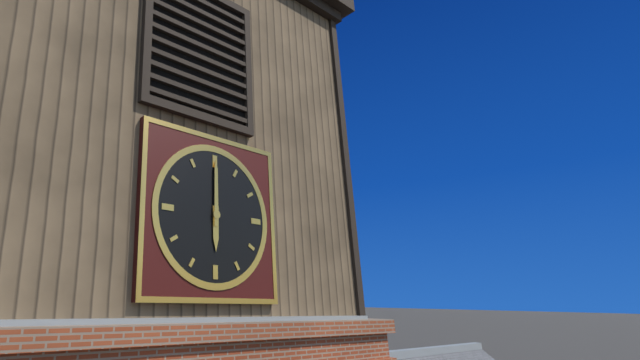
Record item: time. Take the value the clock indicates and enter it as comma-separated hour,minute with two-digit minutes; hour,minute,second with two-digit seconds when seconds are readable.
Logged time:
6,00
